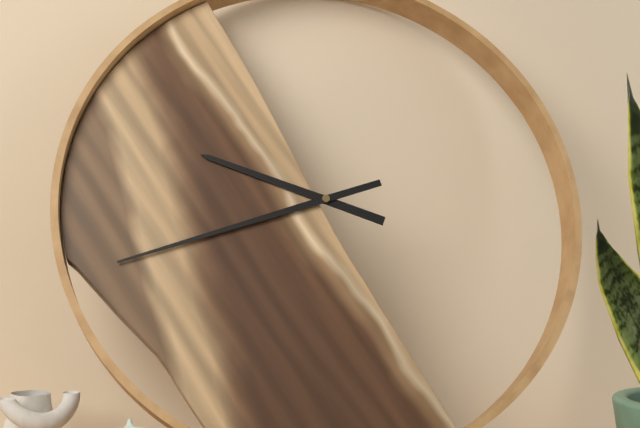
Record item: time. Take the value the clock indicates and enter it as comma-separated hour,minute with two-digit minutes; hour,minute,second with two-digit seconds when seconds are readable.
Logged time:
9,42
